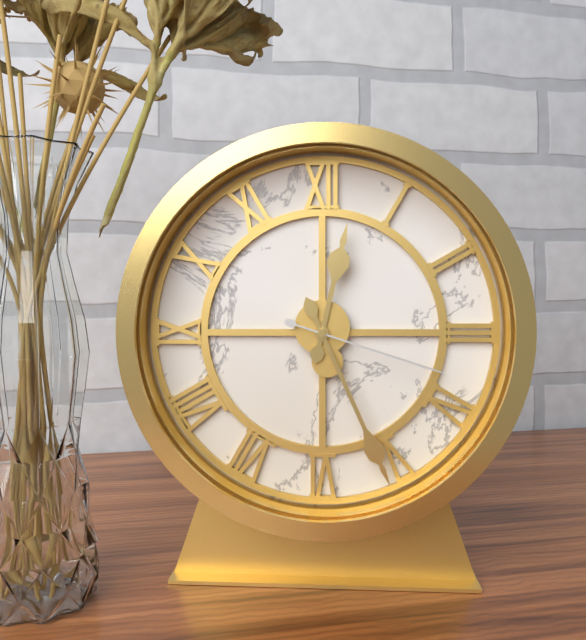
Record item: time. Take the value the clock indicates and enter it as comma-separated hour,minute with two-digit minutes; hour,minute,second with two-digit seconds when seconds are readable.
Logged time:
12,26,18
